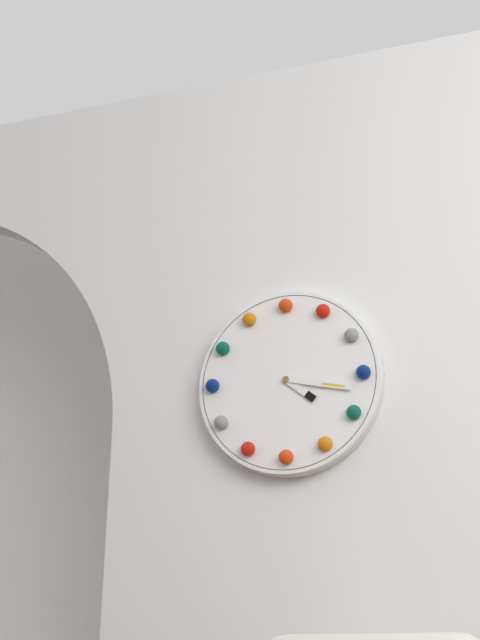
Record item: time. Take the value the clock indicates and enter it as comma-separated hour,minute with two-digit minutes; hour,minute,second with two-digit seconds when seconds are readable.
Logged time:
4,17
